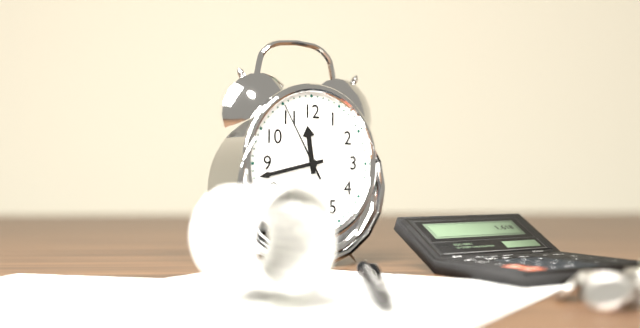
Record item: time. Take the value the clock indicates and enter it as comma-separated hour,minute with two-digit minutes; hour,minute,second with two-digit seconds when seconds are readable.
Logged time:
11,43,55
